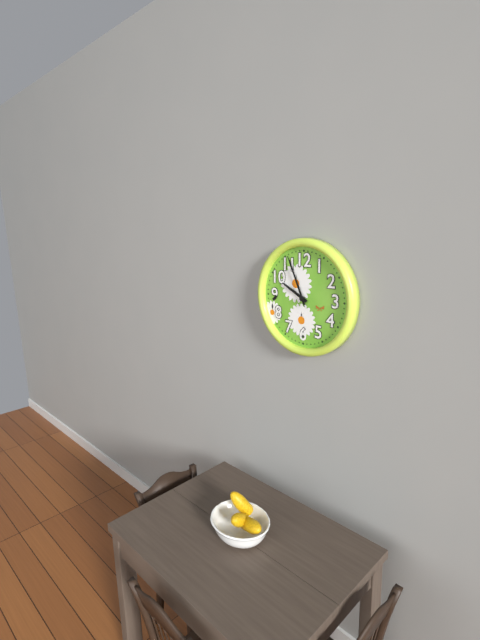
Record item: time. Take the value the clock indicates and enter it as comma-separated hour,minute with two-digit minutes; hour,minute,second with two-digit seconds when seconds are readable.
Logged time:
9,56,56
